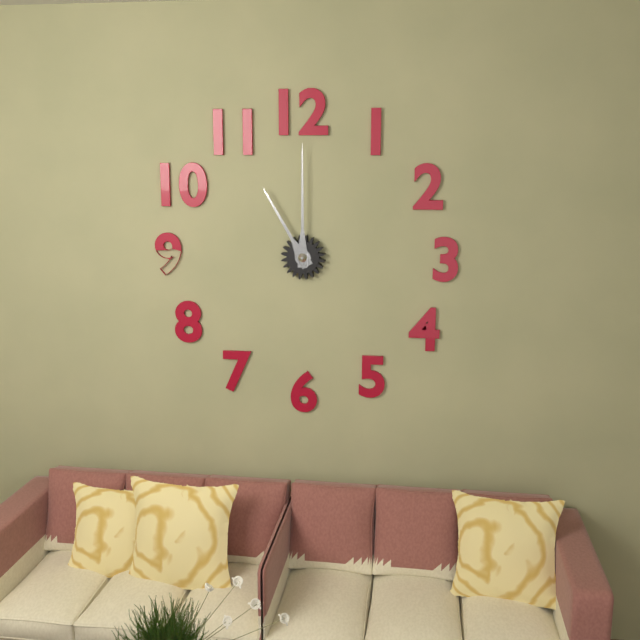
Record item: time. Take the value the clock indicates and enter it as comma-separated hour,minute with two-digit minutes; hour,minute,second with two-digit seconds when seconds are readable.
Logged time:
11,00
